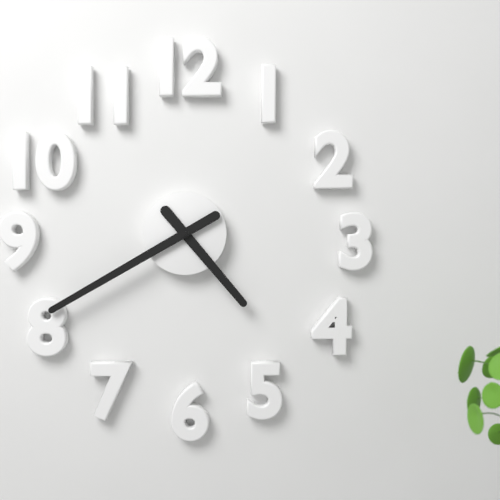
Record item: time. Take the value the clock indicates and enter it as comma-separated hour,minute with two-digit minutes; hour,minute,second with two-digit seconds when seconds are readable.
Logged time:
4,40
